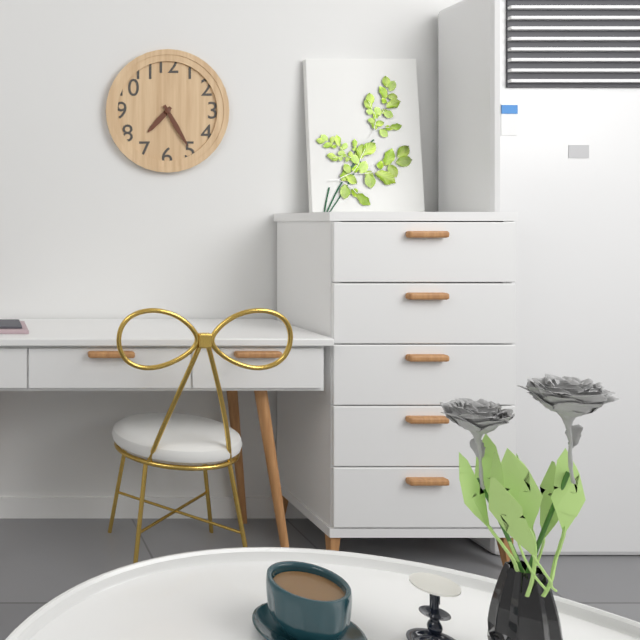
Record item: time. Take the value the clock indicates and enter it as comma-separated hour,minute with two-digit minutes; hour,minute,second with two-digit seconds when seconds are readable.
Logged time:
7,25
